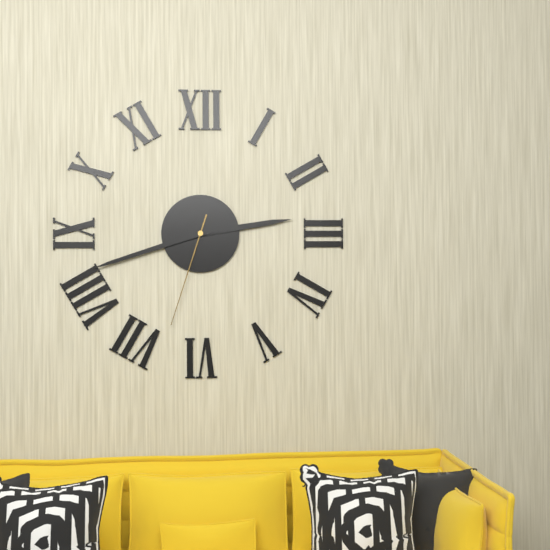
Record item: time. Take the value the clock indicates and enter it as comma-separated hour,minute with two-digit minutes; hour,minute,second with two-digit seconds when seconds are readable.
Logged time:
2,42,33
